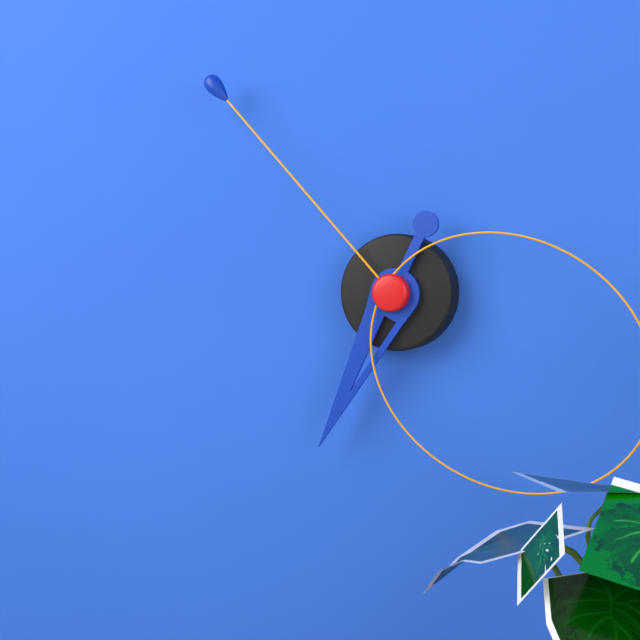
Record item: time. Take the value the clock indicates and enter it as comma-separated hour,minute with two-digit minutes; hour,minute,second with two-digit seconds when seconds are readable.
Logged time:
6,53,20
